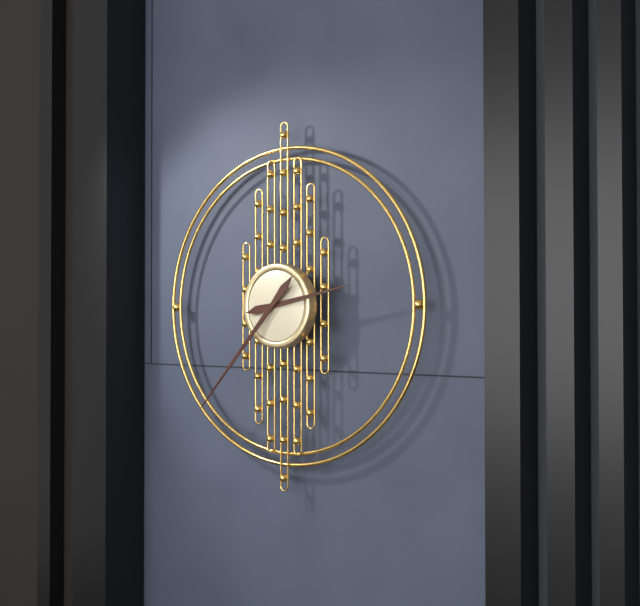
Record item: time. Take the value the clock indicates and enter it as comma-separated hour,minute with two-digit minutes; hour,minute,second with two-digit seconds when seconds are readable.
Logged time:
2,37
